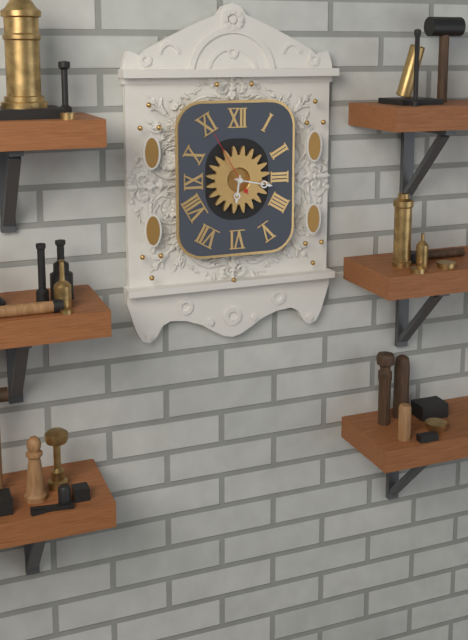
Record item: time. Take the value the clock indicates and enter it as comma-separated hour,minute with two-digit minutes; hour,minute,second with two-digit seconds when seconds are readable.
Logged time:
6,17,55
